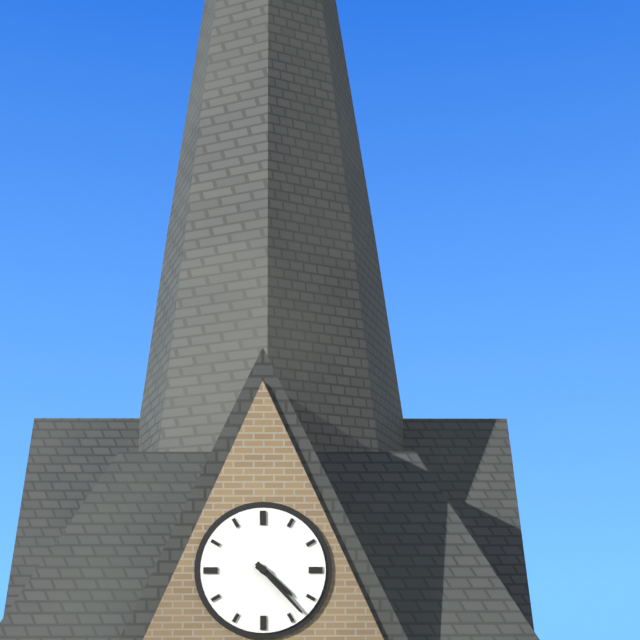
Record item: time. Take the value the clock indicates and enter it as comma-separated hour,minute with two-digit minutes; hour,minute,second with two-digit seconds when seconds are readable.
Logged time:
4,23
